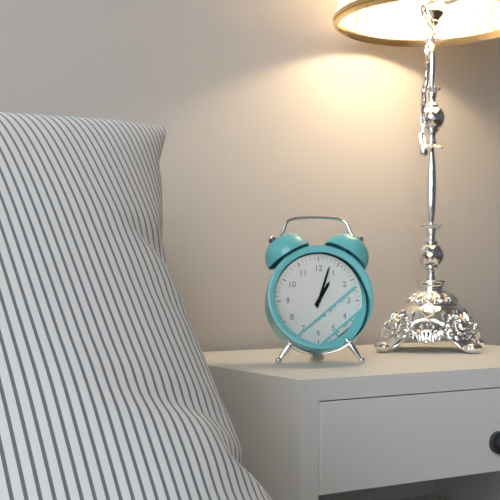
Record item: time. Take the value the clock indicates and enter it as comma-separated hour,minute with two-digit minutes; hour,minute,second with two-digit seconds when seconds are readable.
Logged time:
1,03
